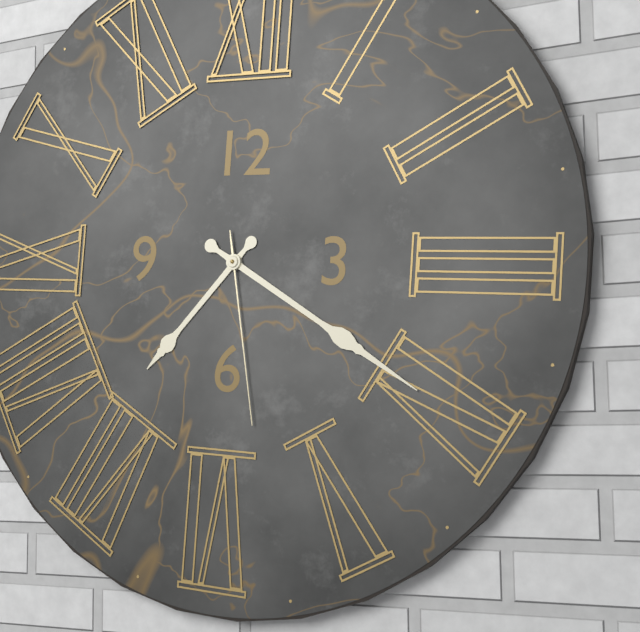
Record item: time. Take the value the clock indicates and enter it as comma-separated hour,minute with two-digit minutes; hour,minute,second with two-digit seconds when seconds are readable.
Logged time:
7,20,28
